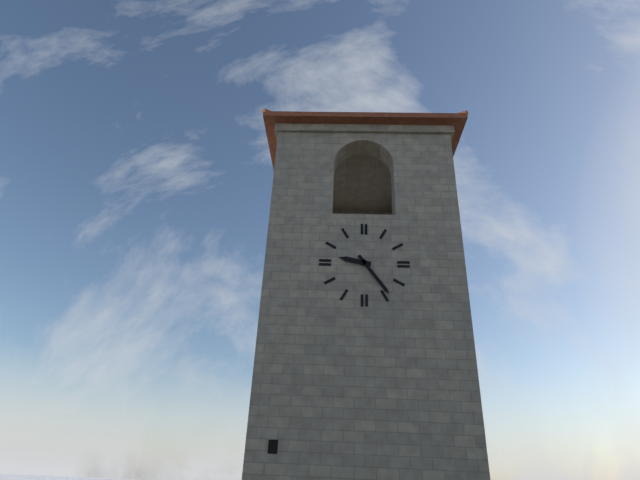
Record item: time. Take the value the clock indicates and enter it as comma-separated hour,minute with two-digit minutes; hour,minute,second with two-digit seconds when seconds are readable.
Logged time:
9,24
